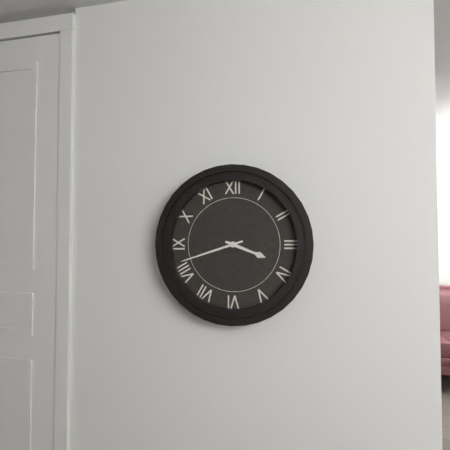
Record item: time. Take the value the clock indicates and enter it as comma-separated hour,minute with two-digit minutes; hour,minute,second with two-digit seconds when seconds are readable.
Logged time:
3,42
